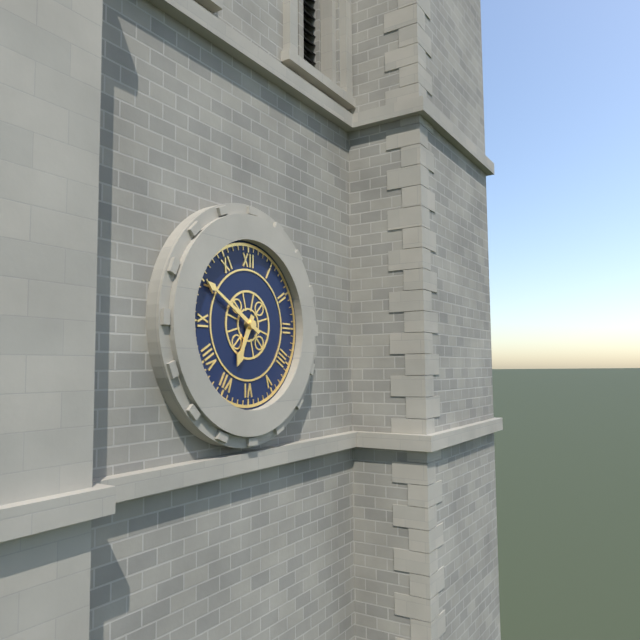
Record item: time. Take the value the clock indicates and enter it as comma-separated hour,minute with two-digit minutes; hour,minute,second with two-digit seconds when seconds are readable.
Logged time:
6,50
